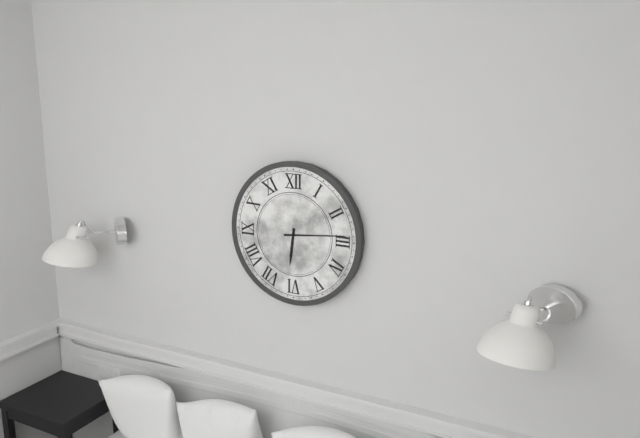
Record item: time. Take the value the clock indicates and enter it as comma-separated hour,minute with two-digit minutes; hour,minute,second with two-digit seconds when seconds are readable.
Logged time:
6,14
